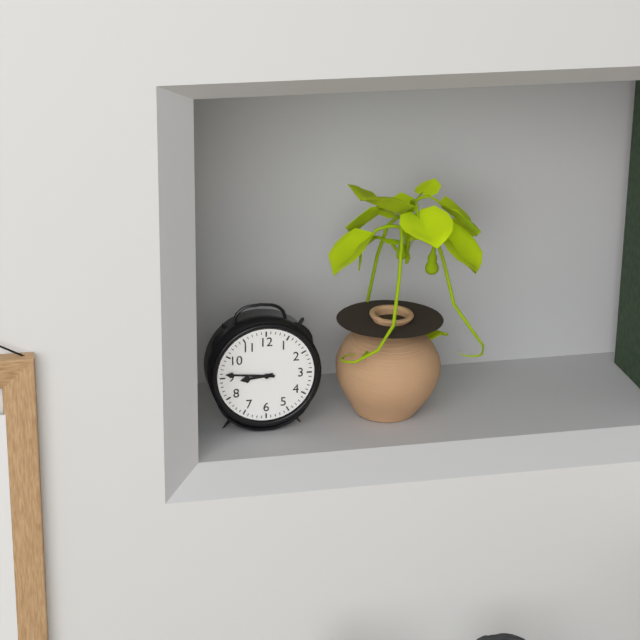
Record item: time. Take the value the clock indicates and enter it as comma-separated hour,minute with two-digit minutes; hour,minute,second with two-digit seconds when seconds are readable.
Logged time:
8,46
